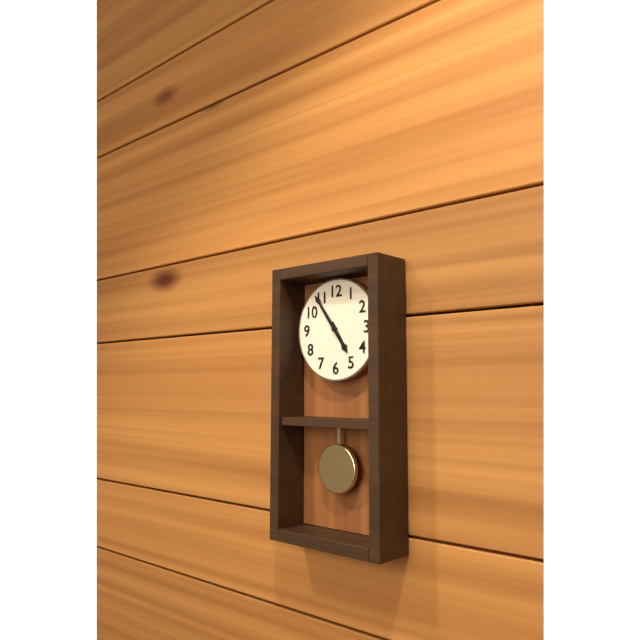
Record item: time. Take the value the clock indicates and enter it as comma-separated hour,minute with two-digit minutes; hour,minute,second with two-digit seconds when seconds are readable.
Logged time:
4,54
